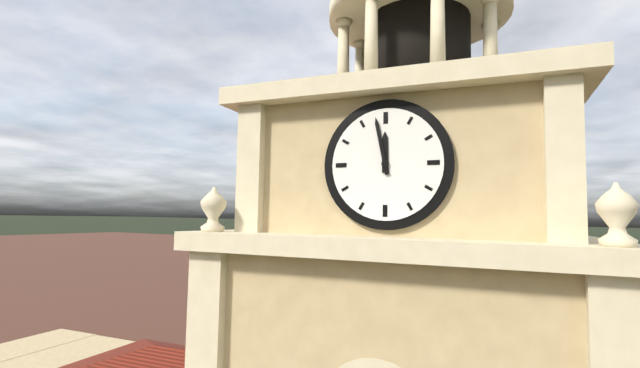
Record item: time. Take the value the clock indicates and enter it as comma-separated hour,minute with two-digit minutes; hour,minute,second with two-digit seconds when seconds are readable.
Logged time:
11,58
